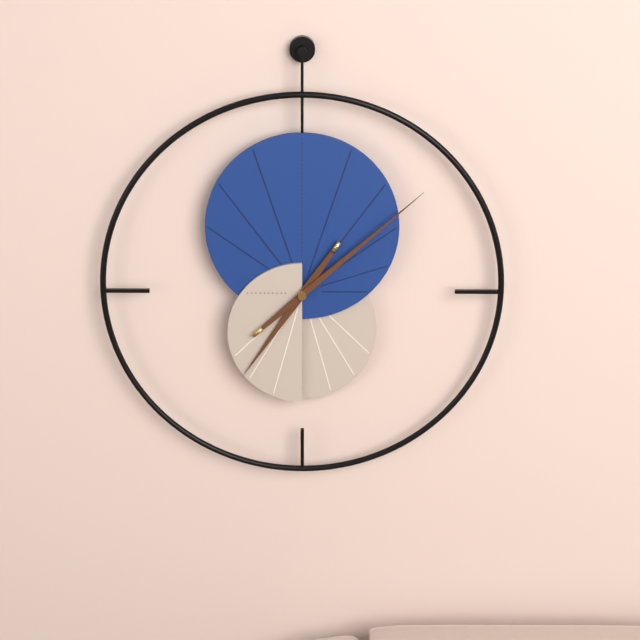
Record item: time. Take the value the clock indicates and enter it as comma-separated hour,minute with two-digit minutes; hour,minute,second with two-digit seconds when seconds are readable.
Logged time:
7,08
